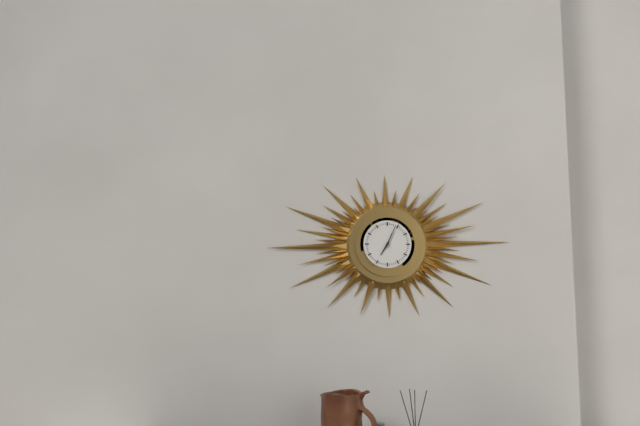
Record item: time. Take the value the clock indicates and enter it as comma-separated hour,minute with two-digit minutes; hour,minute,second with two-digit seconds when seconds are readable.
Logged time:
7,04
